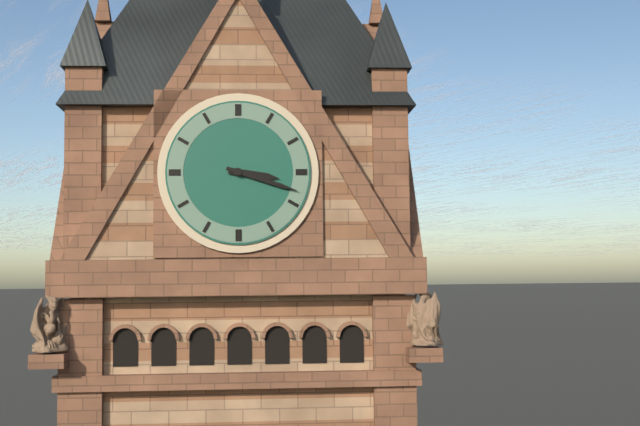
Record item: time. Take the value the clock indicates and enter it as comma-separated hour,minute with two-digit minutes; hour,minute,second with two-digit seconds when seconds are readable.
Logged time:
3,18
